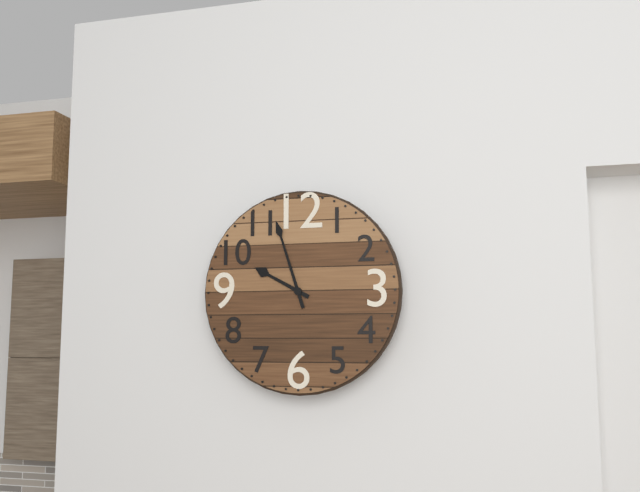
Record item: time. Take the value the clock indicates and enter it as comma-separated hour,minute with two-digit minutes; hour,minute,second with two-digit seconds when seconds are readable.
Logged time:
9,57
